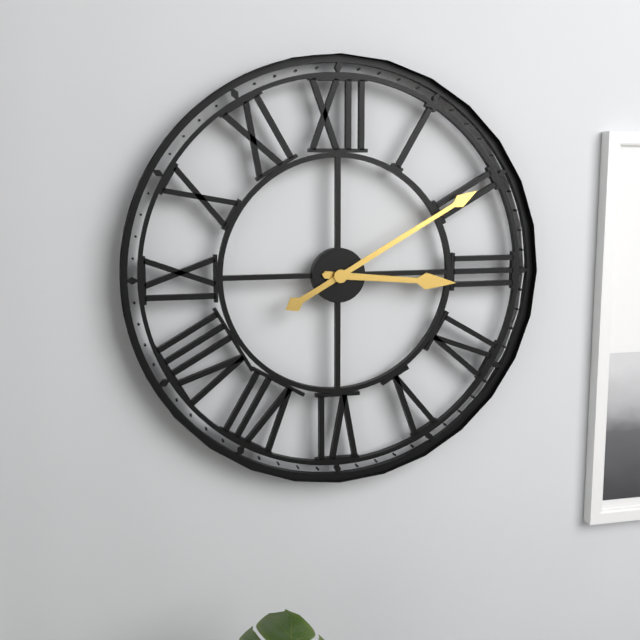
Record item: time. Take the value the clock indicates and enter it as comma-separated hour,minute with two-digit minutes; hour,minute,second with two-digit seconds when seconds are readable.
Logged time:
3,10
